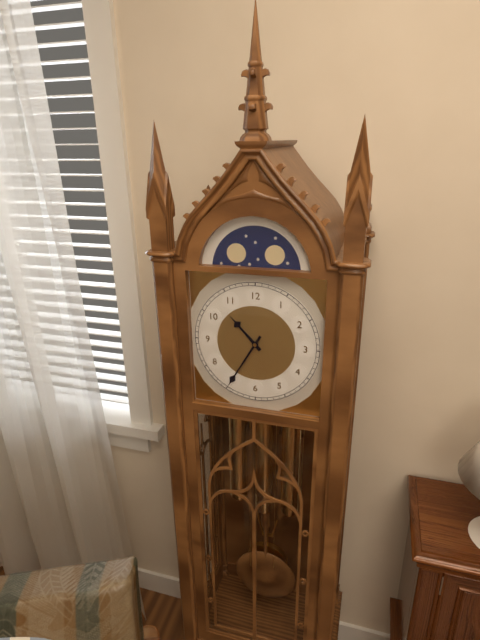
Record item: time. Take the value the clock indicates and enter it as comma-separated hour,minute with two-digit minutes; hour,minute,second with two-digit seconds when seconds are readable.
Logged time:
10,35
